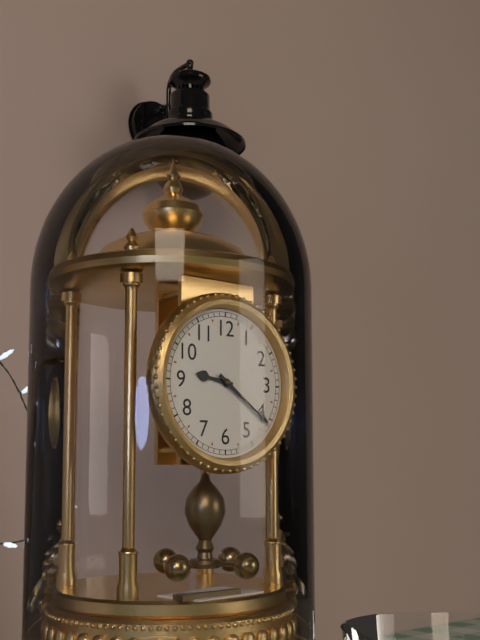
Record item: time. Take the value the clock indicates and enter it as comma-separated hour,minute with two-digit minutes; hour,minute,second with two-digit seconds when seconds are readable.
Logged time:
9,21
